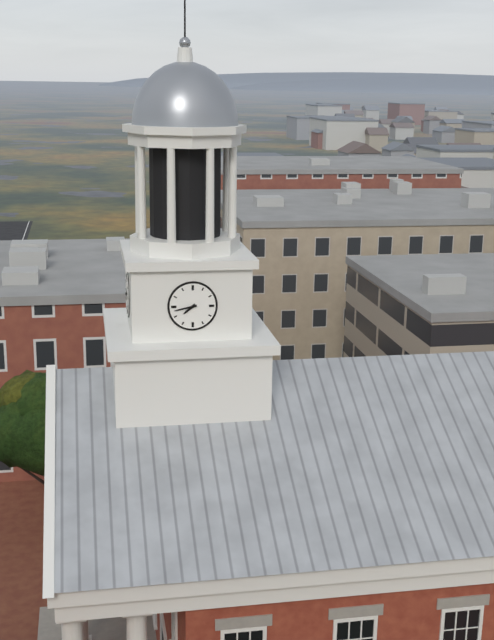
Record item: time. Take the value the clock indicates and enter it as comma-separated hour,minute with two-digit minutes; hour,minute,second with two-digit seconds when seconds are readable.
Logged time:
7,43
